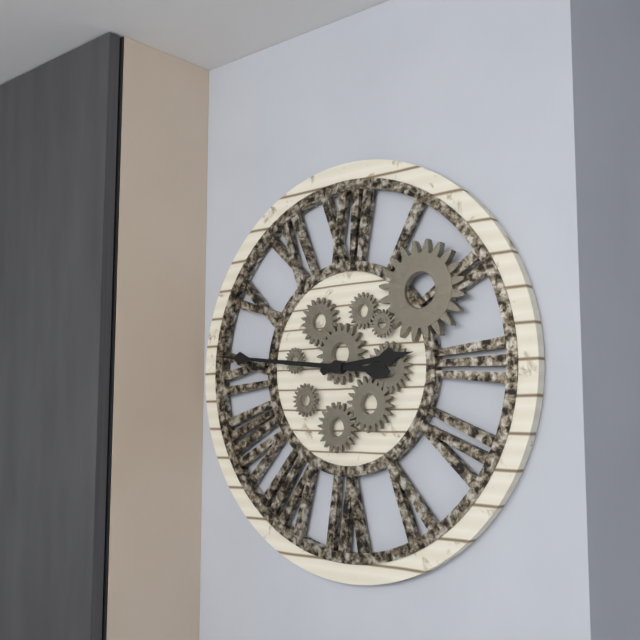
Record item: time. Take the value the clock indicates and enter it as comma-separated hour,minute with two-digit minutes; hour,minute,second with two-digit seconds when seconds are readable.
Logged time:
2,46
